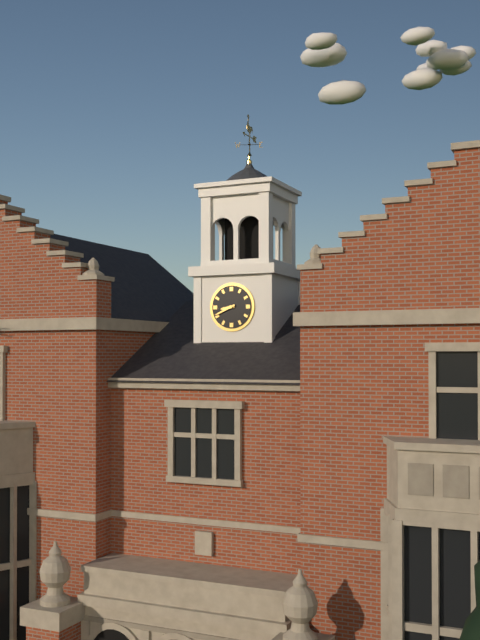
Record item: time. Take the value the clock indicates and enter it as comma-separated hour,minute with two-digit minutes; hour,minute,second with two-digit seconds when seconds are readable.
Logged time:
8,41
